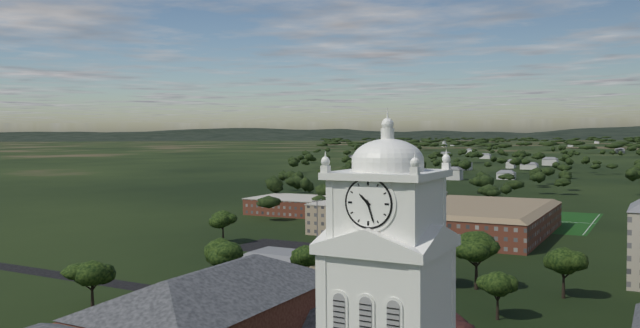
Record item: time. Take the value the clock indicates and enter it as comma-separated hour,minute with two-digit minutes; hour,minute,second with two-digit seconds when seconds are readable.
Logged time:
10,27
